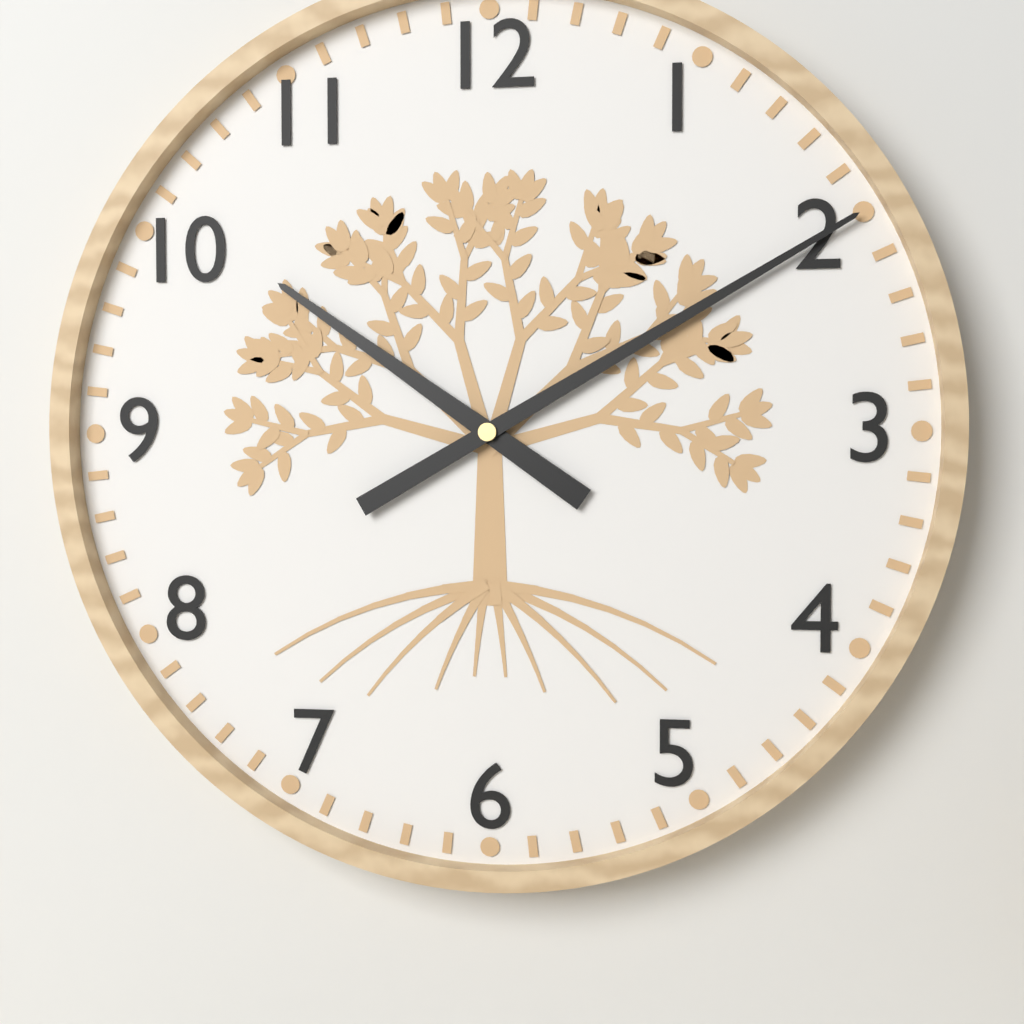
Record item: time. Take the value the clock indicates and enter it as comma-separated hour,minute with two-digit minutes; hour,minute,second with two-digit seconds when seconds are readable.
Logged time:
10,10
